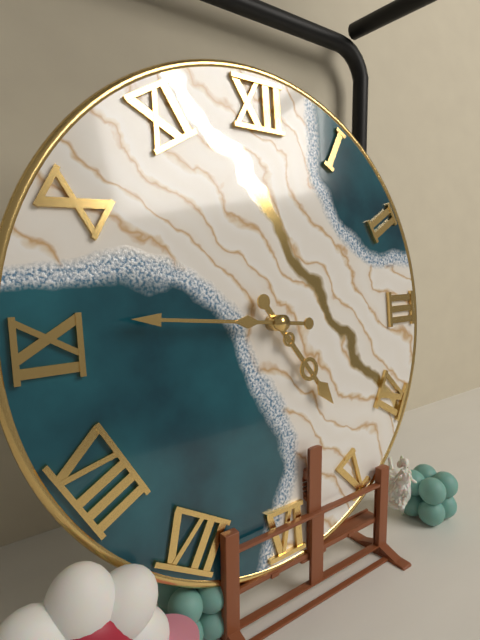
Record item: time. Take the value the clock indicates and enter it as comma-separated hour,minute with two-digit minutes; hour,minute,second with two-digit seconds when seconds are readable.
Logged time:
4,46
